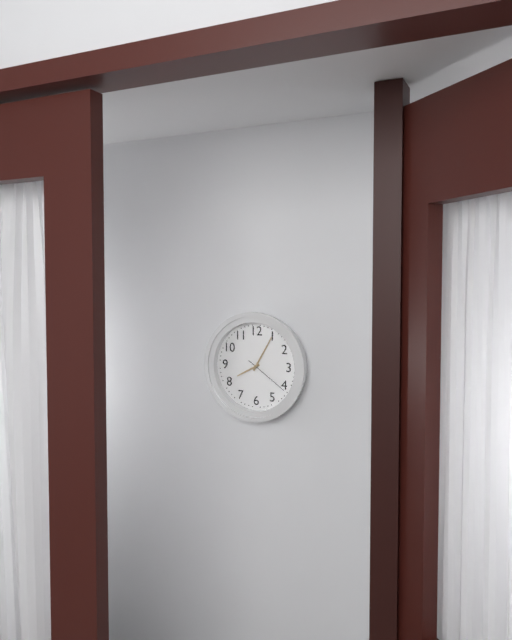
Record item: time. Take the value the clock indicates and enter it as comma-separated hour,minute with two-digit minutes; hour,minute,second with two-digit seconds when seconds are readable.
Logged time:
8,05
